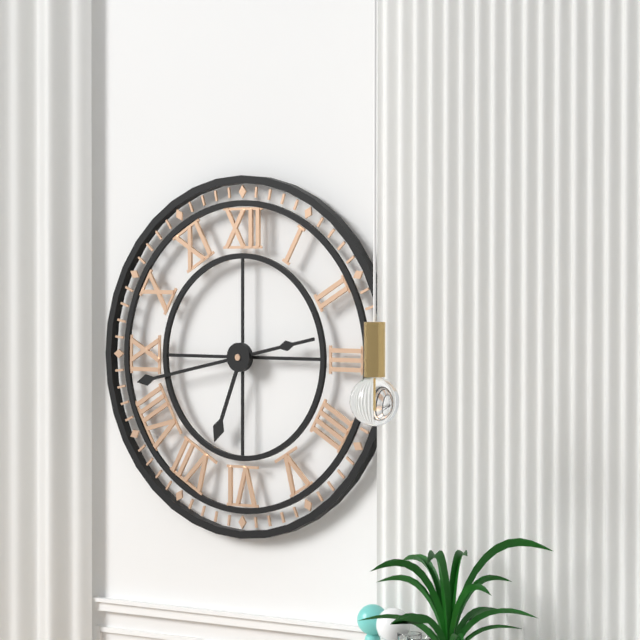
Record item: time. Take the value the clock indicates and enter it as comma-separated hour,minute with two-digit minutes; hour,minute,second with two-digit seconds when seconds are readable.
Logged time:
6,43
